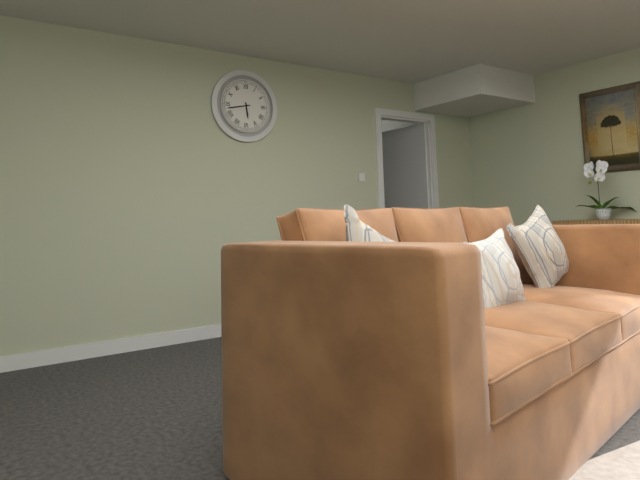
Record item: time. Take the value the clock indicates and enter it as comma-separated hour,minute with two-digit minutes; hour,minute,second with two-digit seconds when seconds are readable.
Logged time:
5,43
